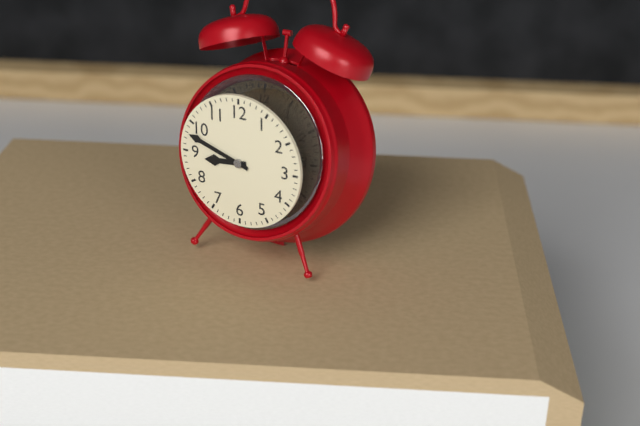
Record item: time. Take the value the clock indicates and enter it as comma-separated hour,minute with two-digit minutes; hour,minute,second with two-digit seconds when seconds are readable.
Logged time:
8,48
